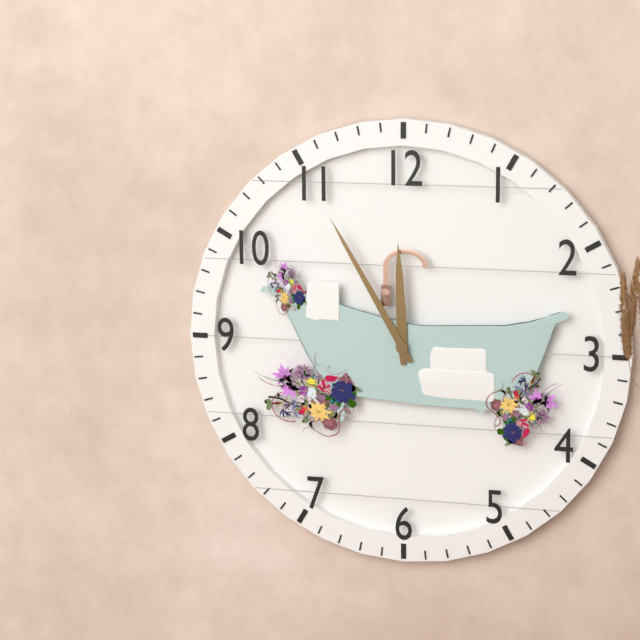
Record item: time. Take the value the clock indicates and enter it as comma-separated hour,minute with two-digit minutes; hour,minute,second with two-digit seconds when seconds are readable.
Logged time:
11,55
